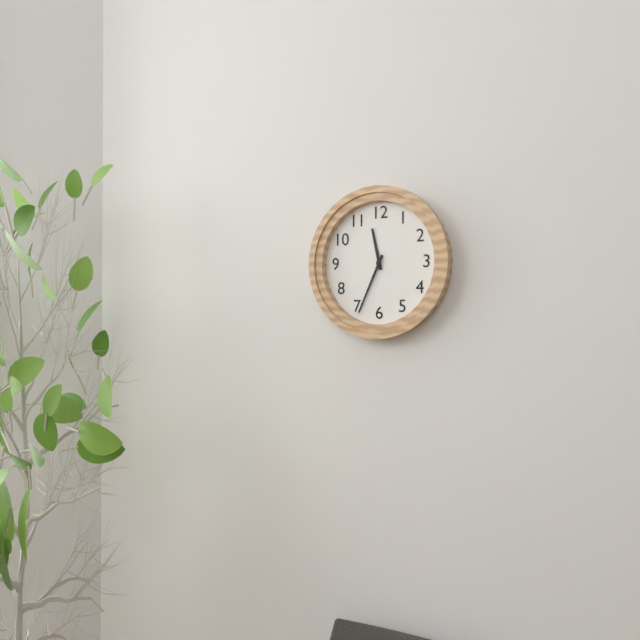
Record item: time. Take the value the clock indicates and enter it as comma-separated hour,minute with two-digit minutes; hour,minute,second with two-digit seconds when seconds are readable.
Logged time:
11,34
